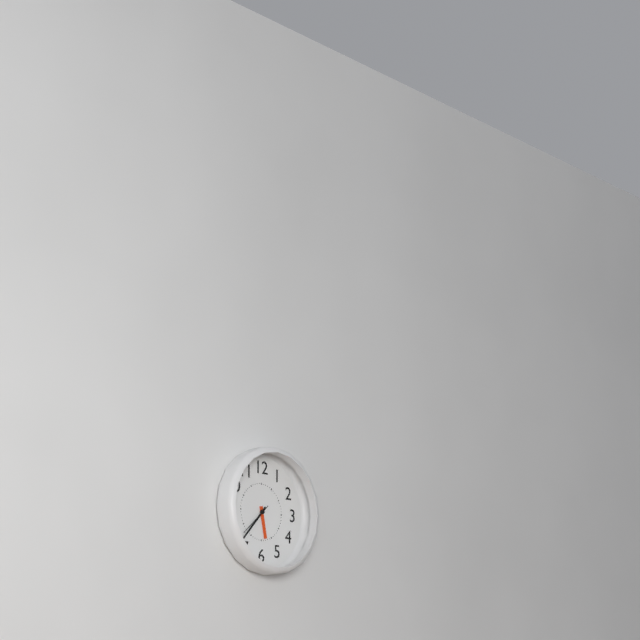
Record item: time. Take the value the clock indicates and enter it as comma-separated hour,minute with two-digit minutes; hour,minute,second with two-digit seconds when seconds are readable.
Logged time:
5,37
